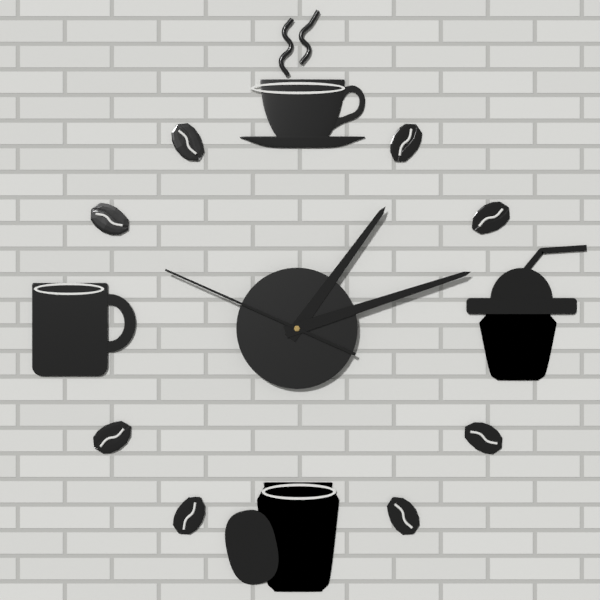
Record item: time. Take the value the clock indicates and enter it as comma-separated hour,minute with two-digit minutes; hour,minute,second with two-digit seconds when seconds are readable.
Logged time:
1,12,49
